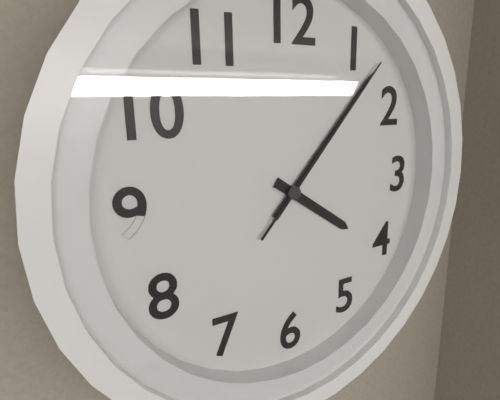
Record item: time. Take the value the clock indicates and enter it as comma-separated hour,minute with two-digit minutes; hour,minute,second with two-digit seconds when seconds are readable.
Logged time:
4,07,07
